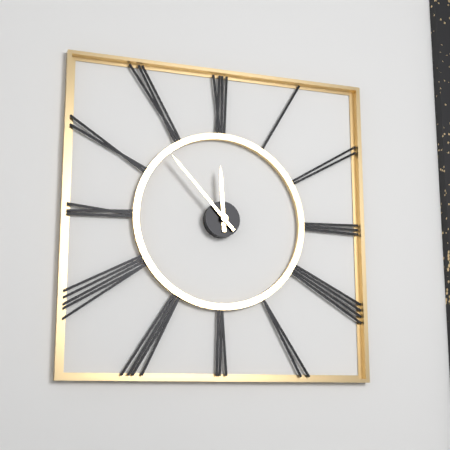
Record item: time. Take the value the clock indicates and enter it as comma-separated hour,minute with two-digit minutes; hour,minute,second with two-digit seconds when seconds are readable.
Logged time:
11,53
